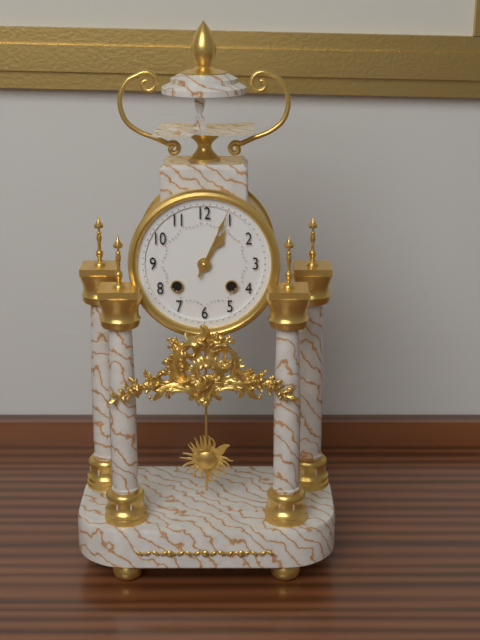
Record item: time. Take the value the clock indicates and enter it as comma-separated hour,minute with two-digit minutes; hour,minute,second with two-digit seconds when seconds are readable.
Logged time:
1,04
